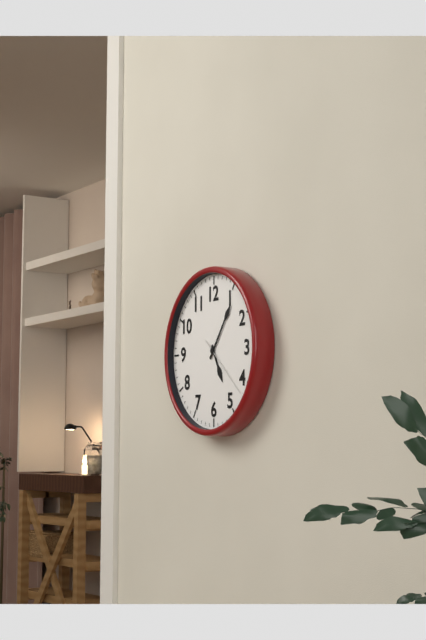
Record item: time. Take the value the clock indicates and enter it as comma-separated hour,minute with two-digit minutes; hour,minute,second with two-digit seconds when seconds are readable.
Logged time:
5,06,22
